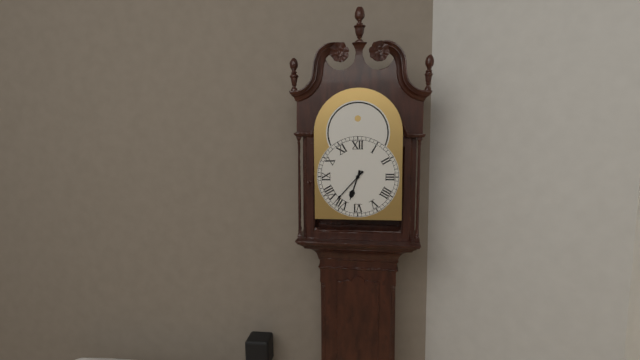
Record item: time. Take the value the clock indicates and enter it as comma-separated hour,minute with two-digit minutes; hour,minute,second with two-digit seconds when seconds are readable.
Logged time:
6,37
